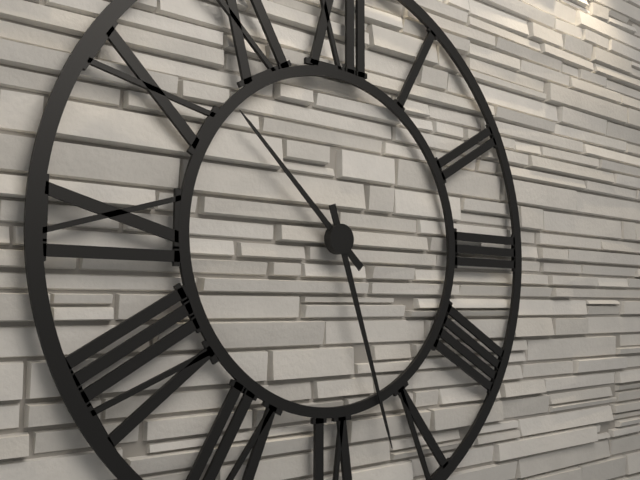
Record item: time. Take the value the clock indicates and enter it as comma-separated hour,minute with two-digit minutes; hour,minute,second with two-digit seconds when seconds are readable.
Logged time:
10,27
